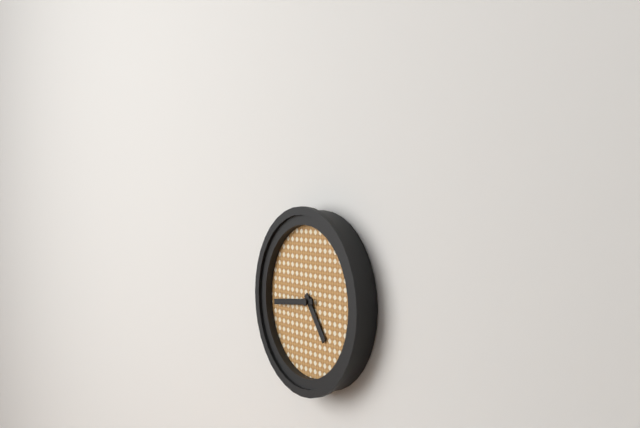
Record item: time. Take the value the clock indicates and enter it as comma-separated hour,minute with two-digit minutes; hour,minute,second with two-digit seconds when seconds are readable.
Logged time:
4,44
